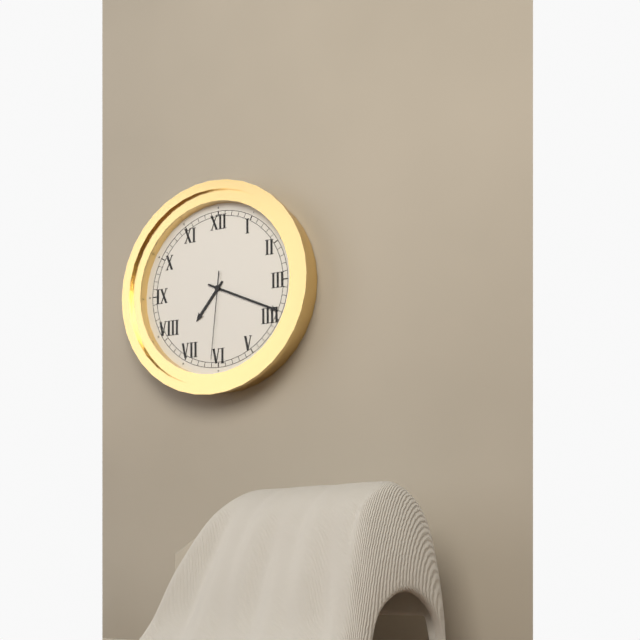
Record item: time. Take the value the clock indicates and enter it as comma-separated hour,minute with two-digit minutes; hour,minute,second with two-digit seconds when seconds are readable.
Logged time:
7,19,31
